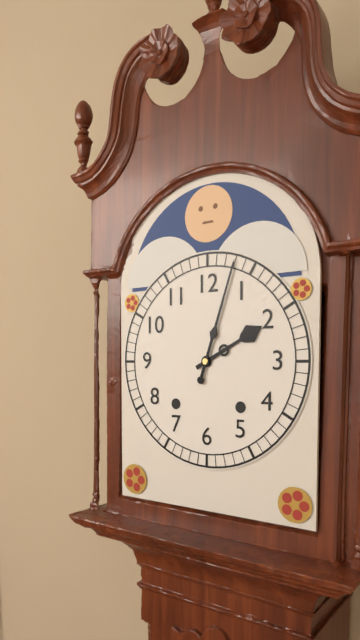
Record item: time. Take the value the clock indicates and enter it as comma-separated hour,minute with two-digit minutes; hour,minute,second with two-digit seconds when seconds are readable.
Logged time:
2,03
